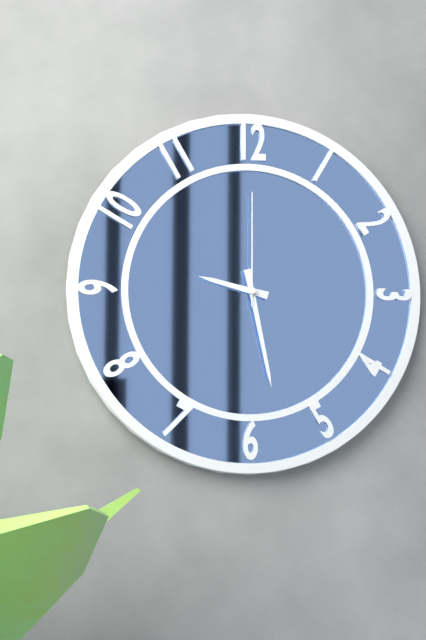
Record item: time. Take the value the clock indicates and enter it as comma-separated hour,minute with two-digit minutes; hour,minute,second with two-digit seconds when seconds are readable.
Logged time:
9,28,00
